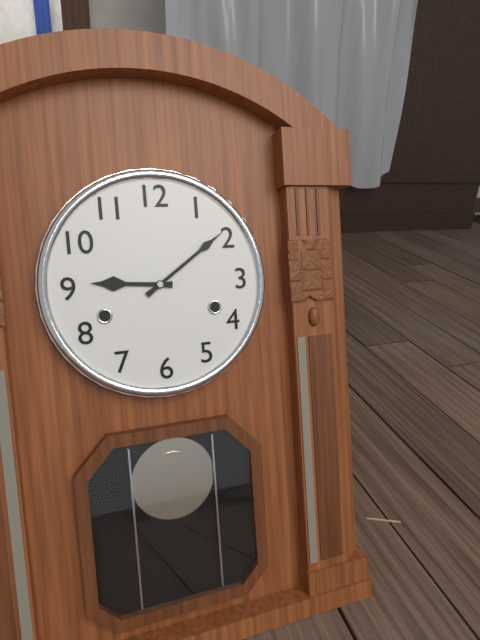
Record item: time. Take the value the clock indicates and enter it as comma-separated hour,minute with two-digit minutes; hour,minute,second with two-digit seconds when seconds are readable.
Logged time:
9,09
